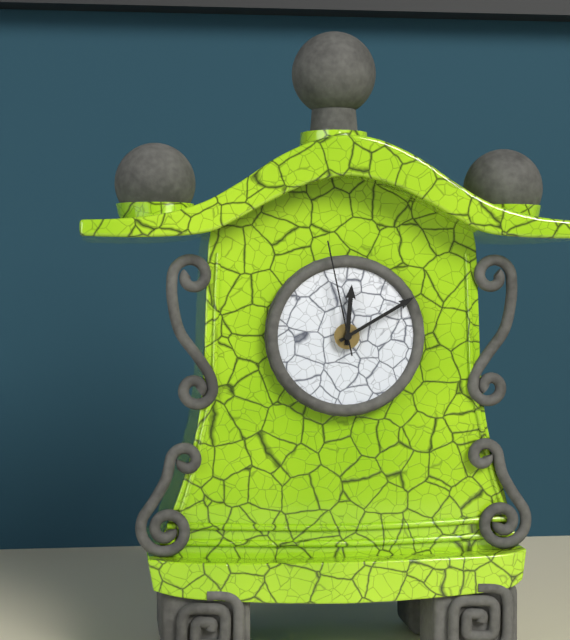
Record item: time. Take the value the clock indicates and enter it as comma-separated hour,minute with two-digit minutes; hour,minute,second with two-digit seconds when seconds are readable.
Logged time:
12,10,58
